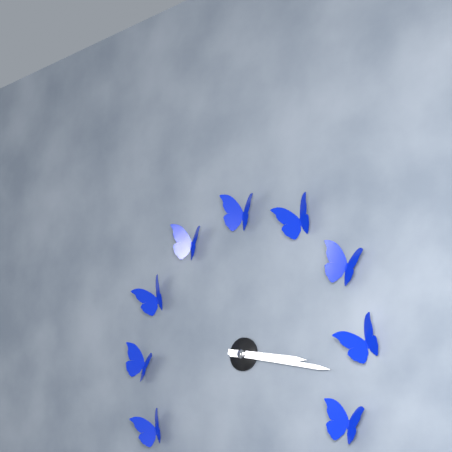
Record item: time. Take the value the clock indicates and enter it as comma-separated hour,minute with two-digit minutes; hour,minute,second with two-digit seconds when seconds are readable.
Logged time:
3,17
